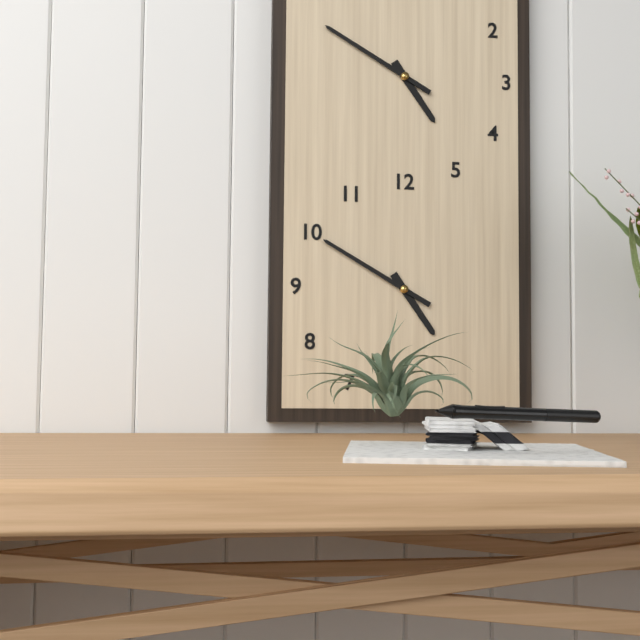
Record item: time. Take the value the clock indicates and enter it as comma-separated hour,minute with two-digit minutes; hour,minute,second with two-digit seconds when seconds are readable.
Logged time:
4,50
